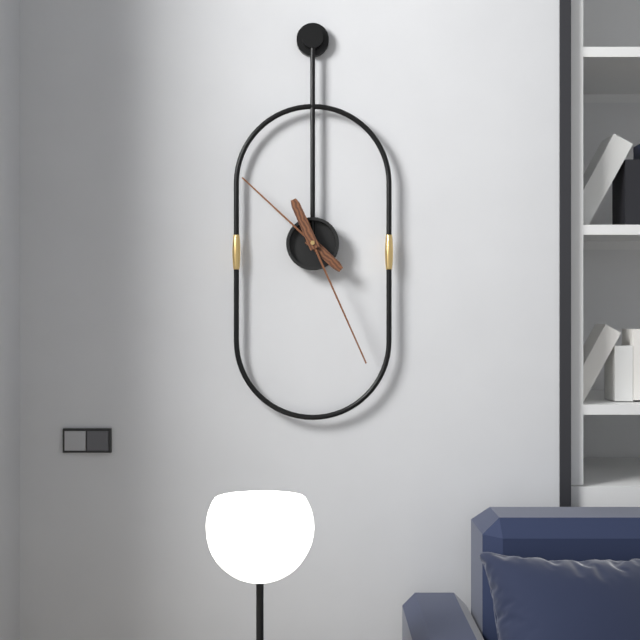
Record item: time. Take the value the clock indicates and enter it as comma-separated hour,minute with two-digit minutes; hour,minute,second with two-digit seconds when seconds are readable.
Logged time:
10,26
